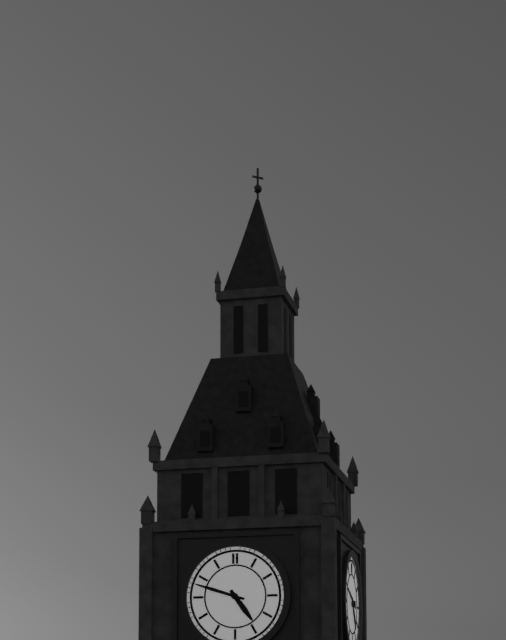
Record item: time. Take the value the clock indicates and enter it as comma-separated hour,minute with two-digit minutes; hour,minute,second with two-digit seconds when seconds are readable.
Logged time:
4,48
